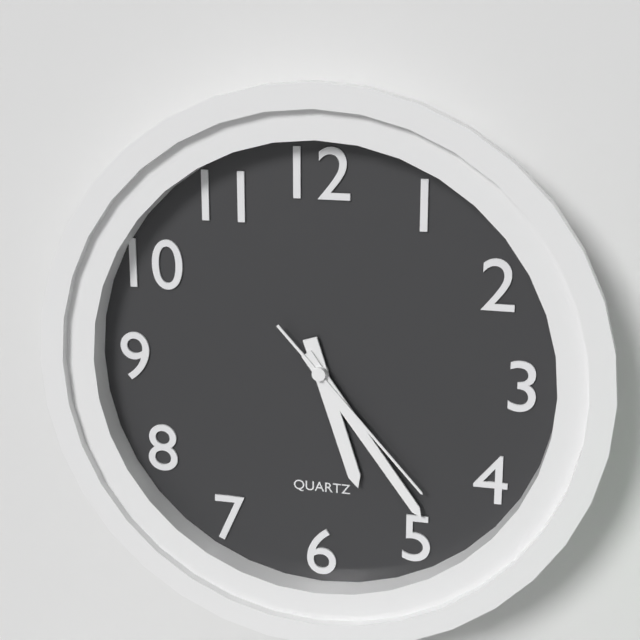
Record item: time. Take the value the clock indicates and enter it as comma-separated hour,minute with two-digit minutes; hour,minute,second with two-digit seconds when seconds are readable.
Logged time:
5,24,23
